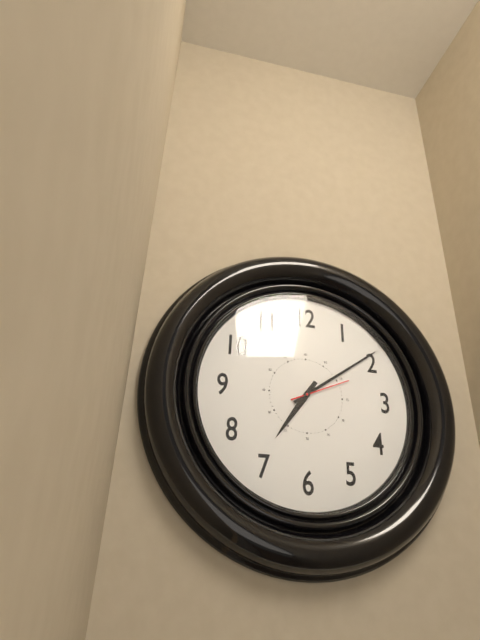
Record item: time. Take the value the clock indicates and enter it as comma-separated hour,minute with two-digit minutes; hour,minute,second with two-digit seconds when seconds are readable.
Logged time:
7,09,11
